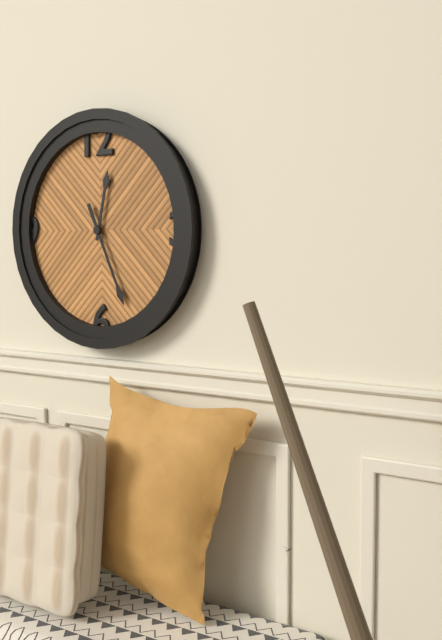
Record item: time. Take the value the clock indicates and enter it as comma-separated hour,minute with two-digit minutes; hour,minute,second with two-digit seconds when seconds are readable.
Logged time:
12,26
